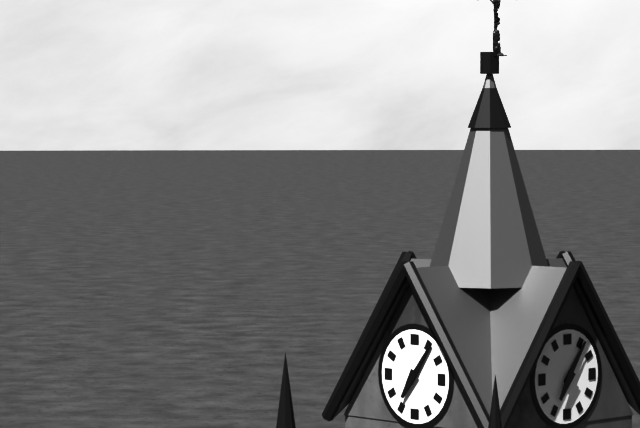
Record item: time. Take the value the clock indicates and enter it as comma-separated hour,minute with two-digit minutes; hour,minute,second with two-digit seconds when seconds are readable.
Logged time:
7,06
